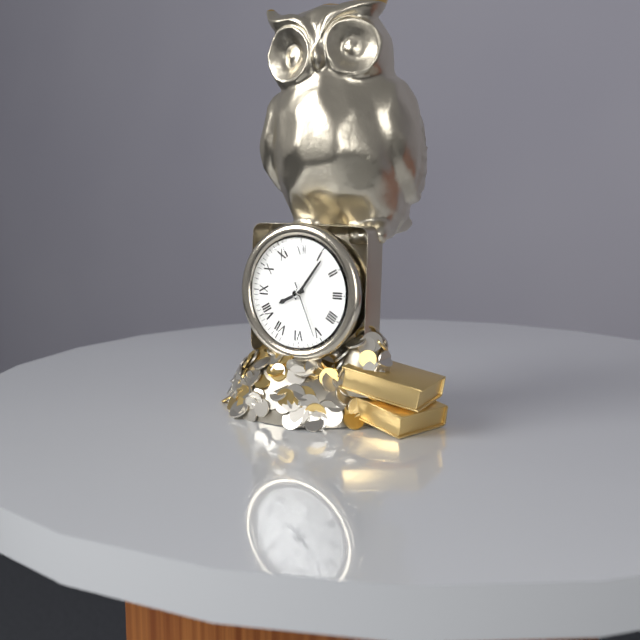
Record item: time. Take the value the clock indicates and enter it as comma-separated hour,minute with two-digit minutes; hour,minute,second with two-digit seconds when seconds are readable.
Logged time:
8,06,26
